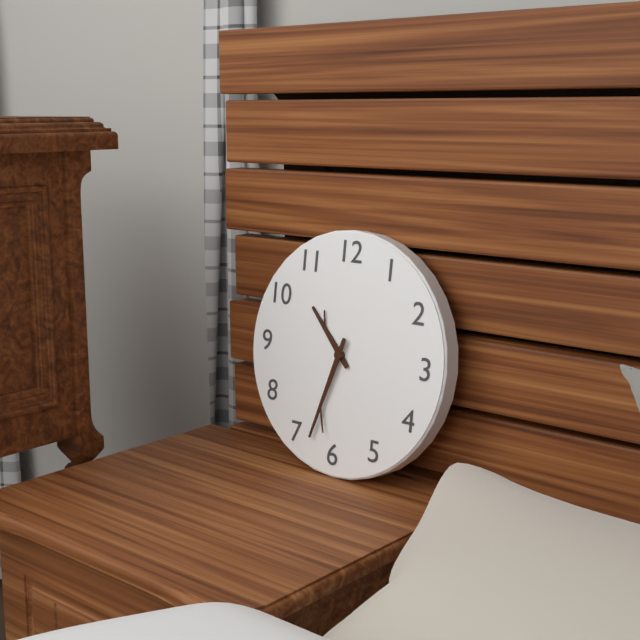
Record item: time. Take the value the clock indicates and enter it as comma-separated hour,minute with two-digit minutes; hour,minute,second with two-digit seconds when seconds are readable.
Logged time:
10,33
